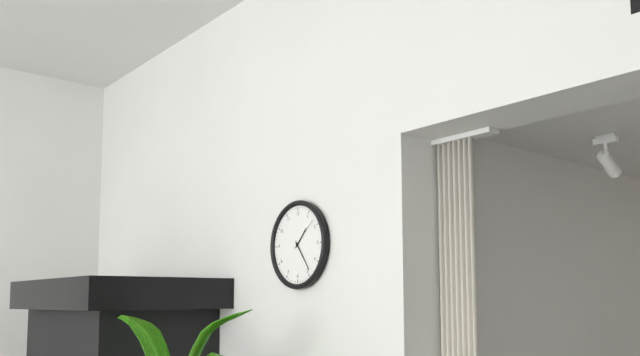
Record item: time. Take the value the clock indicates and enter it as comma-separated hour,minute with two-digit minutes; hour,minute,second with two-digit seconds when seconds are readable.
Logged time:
1,24
